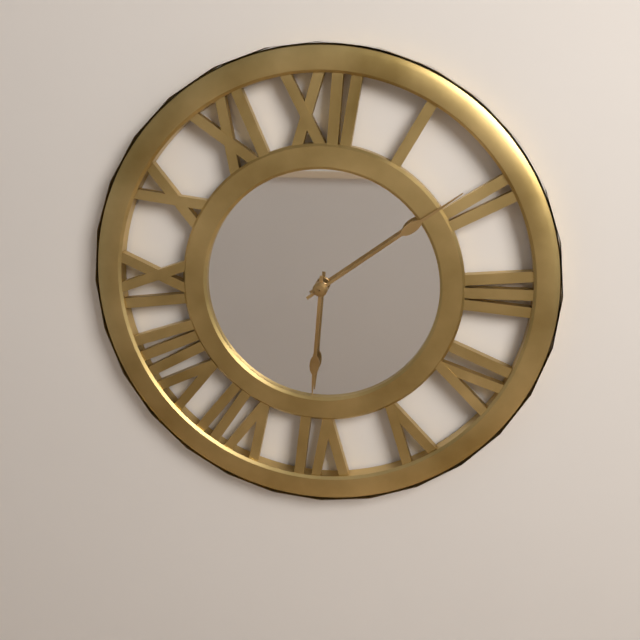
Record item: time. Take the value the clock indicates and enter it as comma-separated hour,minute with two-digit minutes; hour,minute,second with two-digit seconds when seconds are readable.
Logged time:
6,09
